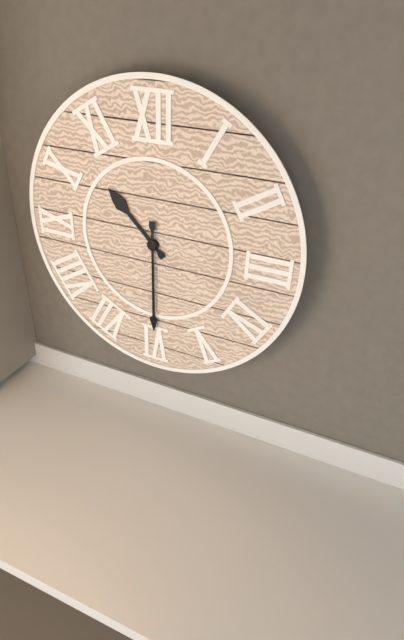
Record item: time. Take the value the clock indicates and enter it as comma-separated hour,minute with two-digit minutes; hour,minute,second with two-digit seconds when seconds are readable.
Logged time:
10,30
